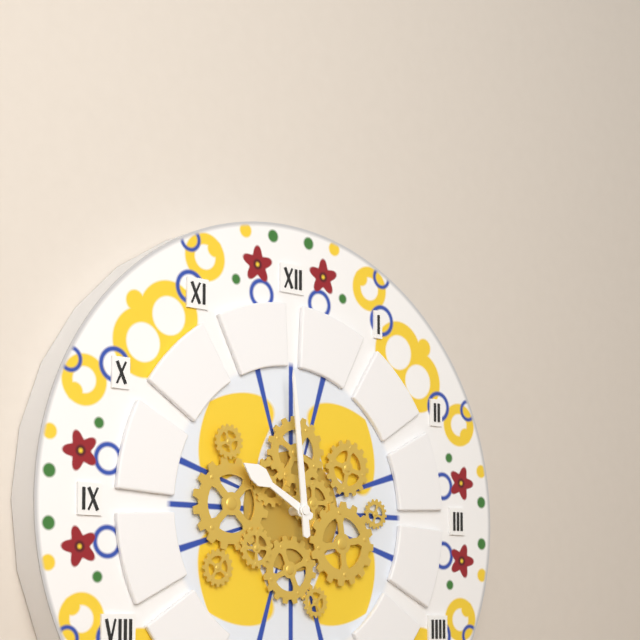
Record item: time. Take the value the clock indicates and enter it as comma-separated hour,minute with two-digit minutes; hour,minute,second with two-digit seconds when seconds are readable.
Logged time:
9,59
